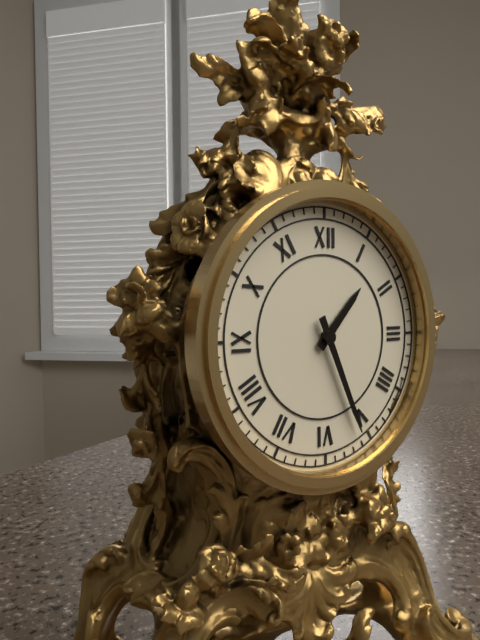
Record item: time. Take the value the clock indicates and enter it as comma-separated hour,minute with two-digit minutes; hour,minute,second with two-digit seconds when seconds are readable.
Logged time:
1,26
